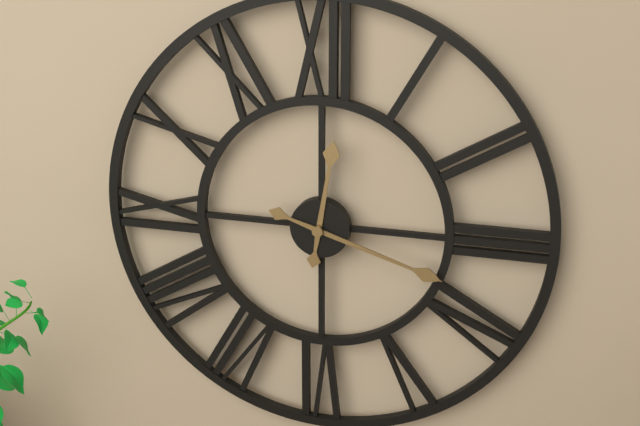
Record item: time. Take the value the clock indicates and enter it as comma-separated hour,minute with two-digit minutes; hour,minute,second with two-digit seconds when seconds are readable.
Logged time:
12,18
